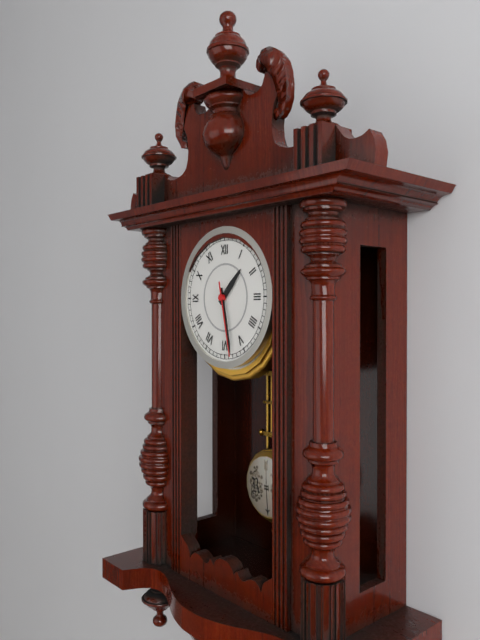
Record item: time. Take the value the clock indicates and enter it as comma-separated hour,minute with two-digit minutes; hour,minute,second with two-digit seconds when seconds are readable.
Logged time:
1,28,28
